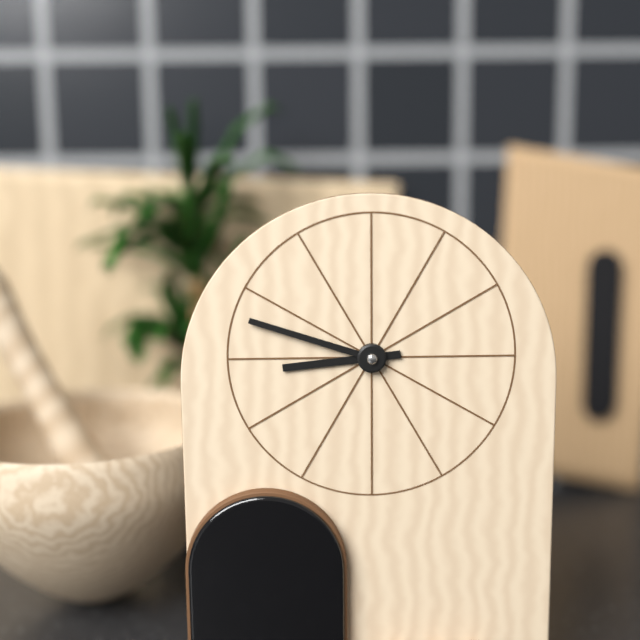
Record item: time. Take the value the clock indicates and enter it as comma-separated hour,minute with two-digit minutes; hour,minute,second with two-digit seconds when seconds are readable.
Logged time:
8,48
